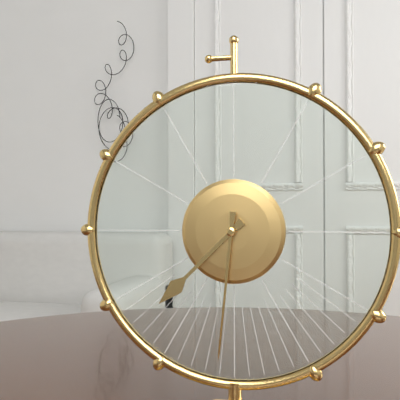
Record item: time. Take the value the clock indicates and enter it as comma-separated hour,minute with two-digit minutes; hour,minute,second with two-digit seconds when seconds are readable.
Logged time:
7,31
